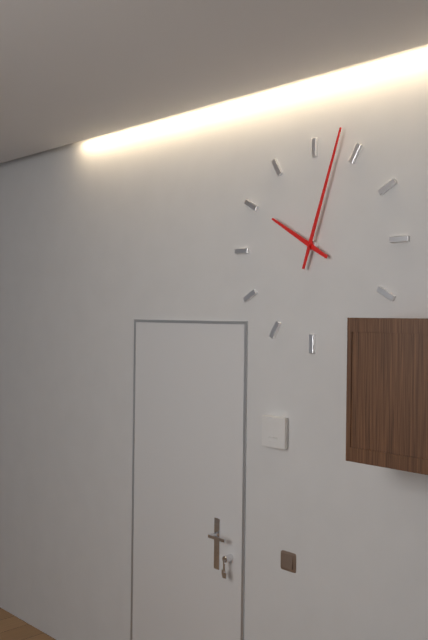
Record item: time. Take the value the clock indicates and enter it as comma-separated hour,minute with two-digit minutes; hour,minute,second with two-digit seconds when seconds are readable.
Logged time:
10,03
